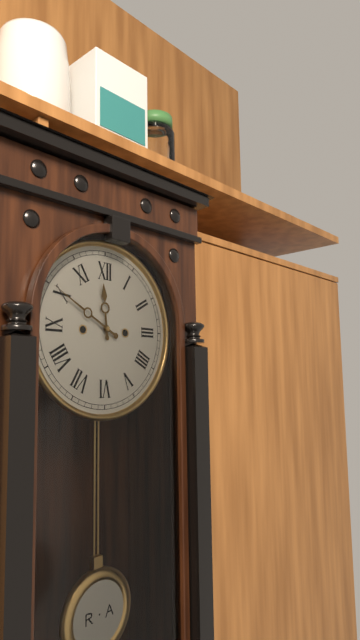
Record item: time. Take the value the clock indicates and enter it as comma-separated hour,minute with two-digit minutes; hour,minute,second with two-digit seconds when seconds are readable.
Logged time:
11,50
